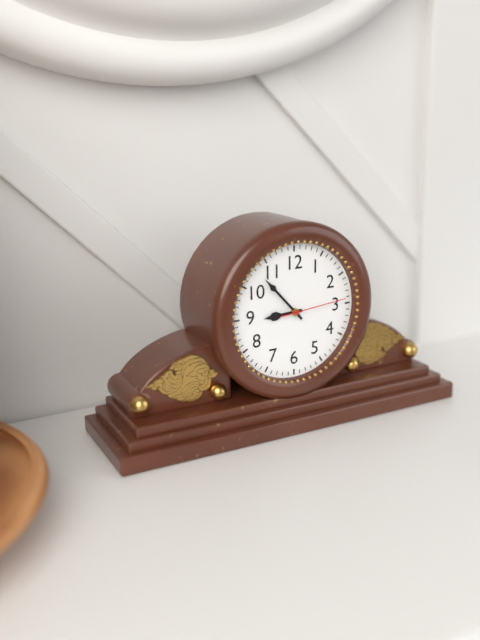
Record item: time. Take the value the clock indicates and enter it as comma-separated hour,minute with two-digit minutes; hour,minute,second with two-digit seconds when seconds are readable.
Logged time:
8,53,14
